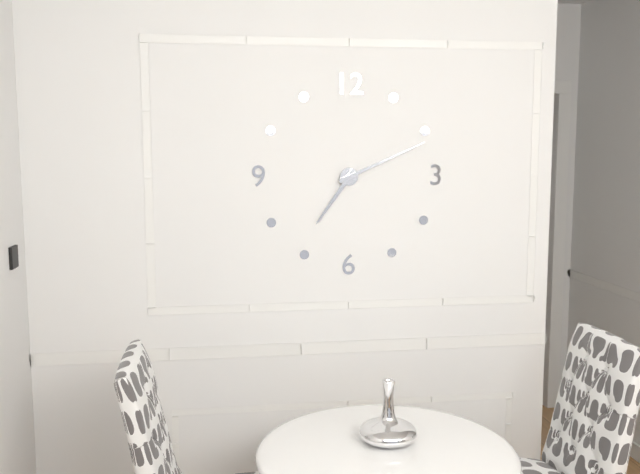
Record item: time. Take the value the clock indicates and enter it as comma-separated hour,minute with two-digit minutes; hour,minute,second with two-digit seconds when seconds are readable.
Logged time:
7,11
